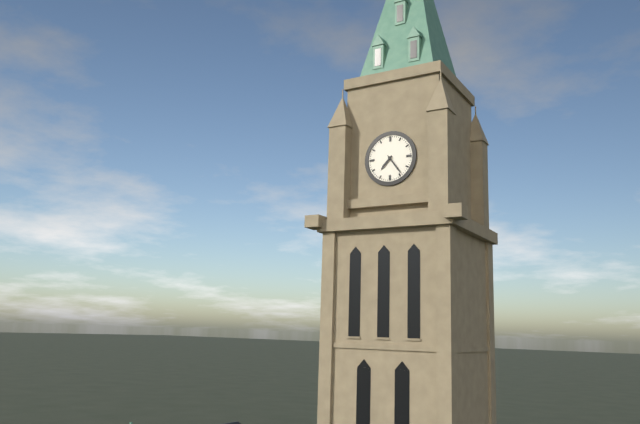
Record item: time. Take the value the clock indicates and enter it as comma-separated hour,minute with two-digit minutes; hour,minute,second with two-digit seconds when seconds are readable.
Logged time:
7,24
